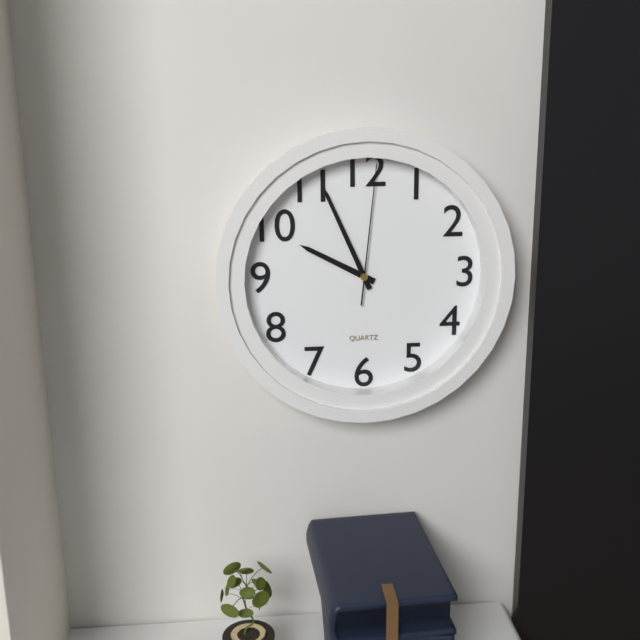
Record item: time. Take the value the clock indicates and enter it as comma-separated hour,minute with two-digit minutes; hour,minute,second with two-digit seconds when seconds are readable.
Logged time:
9,56,01
